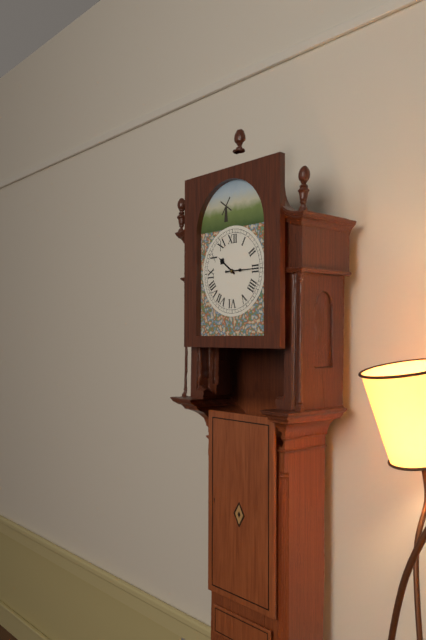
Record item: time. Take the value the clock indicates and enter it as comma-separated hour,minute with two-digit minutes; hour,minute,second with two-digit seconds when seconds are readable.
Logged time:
10,15
